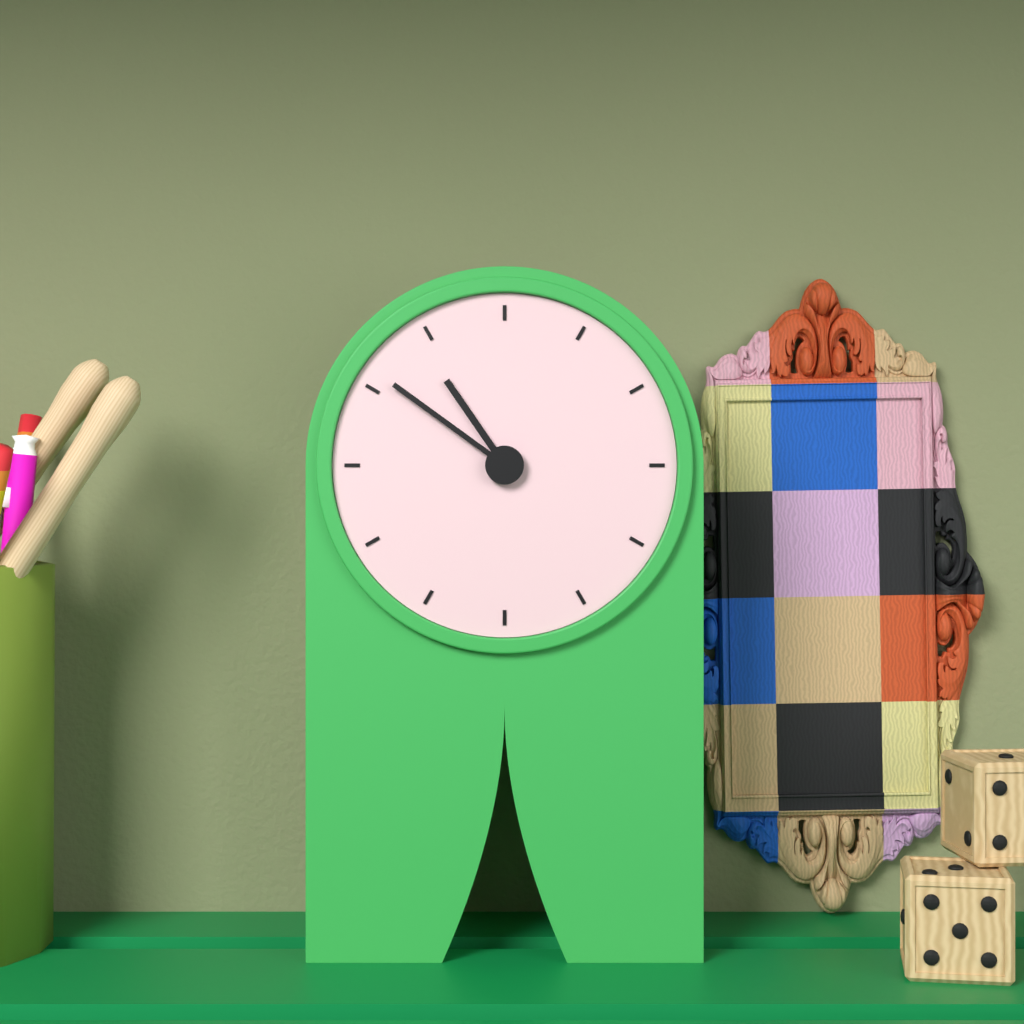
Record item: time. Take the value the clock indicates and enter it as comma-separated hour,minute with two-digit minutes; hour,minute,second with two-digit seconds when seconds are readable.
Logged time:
10,51
